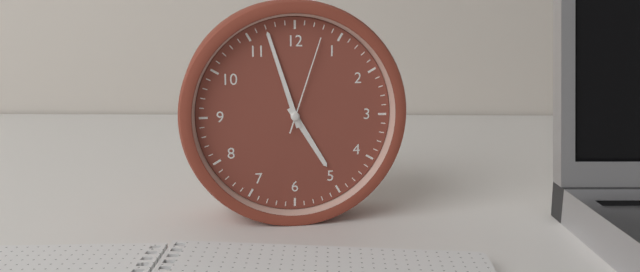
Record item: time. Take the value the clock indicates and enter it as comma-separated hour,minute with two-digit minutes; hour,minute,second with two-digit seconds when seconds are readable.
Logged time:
4,57,03
